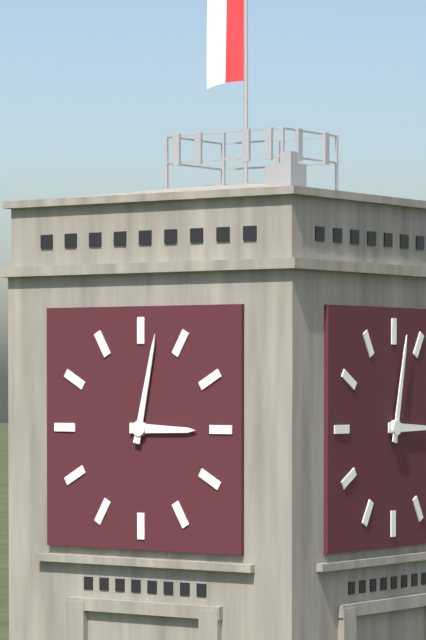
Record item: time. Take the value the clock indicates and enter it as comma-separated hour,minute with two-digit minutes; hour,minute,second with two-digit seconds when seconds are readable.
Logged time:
3,02
